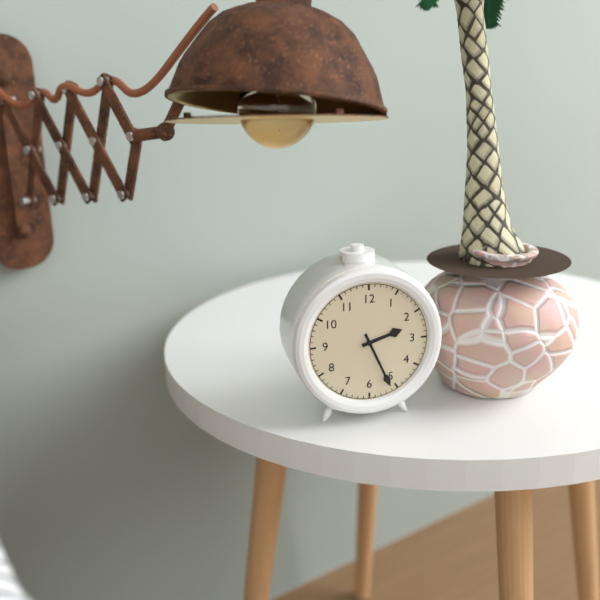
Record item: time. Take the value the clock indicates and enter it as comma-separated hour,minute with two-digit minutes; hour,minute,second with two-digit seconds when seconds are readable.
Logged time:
2,26
